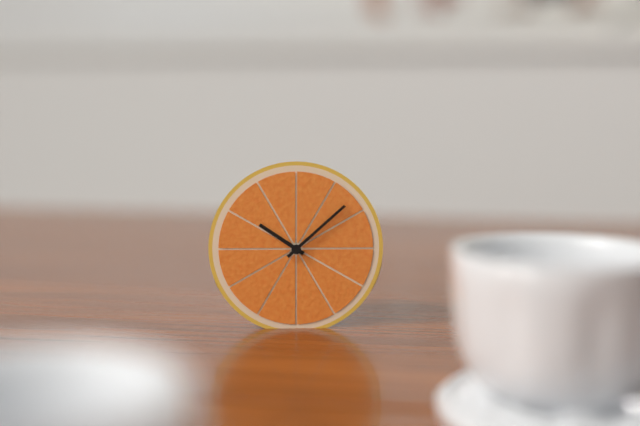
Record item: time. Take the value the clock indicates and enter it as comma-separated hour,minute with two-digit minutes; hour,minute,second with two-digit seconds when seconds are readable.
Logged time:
10,08
